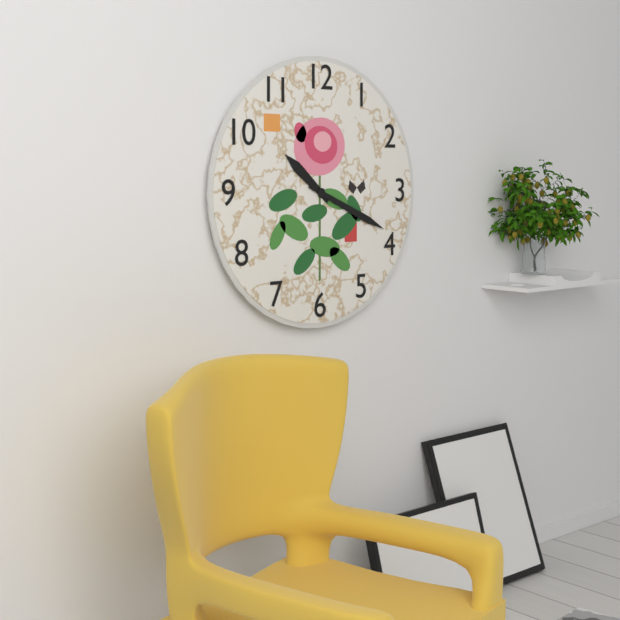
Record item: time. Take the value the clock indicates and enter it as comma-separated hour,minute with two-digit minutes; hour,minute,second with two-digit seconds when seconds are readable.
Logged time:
10,19
